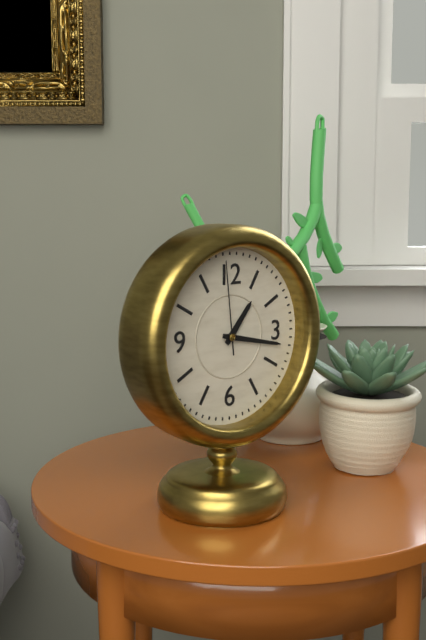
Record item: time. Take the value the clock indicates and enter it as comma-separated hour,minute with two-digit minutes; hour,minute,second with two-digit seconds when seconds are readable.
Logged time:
1,17,59
